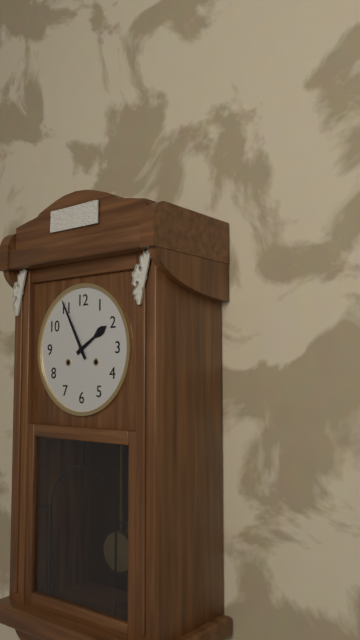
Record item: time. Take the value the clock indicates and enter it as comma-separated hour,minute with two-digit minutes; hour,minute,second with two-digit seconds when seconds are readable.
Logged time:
1,55
